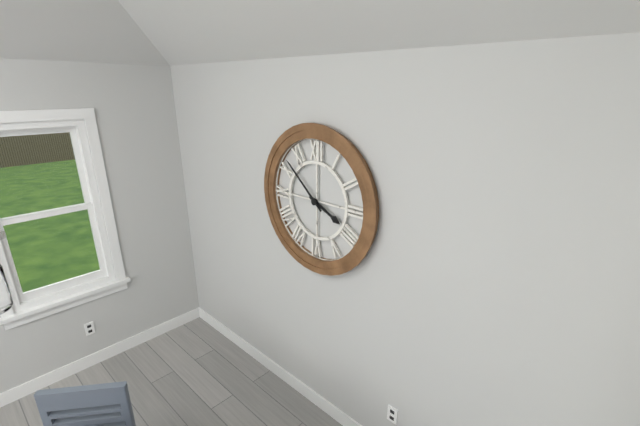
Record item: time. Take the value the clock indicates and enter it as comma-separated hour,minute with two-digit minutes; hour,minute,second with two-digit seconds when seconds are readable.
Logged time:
3,52
